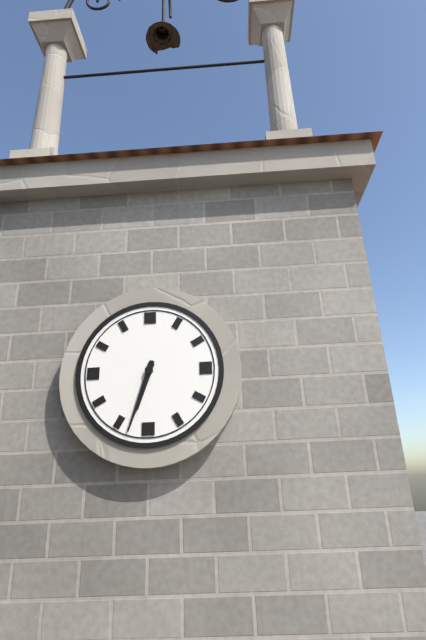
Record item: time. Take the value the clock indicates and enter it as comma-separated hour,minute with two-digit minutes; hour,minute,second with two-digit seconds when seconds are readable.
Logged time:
6,33
